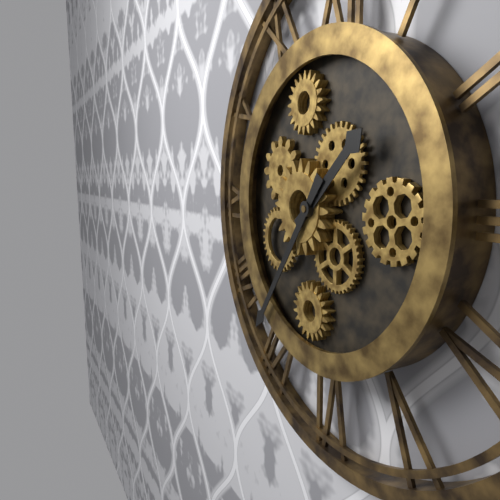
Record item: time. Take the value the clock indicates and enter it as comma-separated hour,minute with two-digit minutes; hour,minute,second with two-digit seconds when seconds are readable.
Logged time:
1,36
